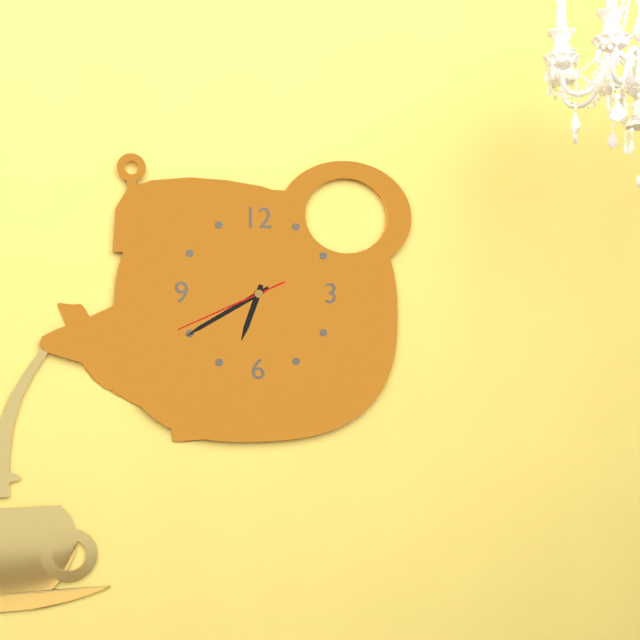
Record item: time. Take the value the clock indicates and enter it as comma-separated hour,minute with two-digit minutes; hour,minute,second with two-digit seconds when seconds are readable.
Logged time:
6,40,41
